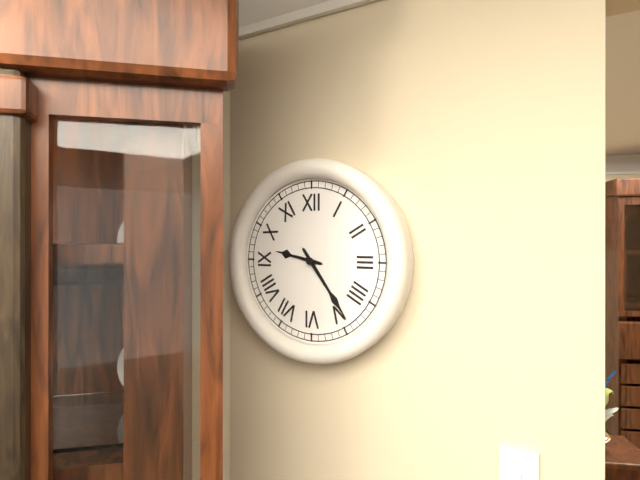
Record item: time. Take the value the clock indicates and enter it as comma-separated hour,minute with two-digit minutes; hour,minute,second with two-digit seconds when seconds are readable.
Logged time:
9,24
